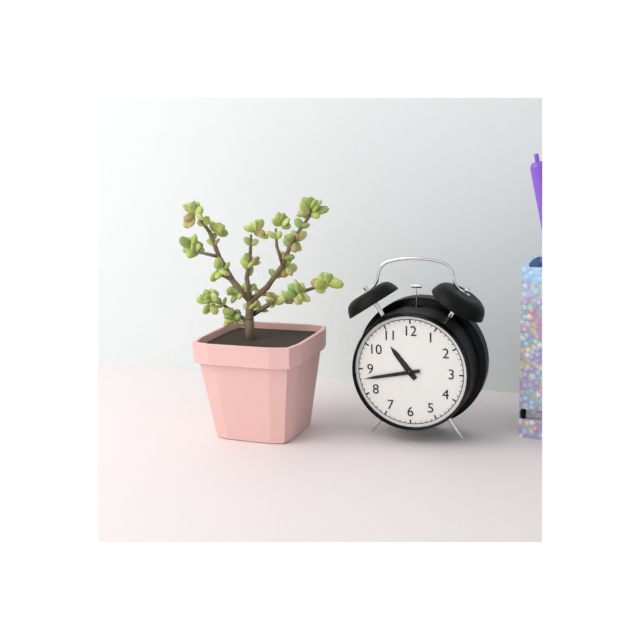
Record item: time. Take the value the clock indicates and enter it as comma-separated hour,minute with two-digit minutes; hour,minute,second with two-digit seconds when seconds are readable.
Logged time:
10,43
